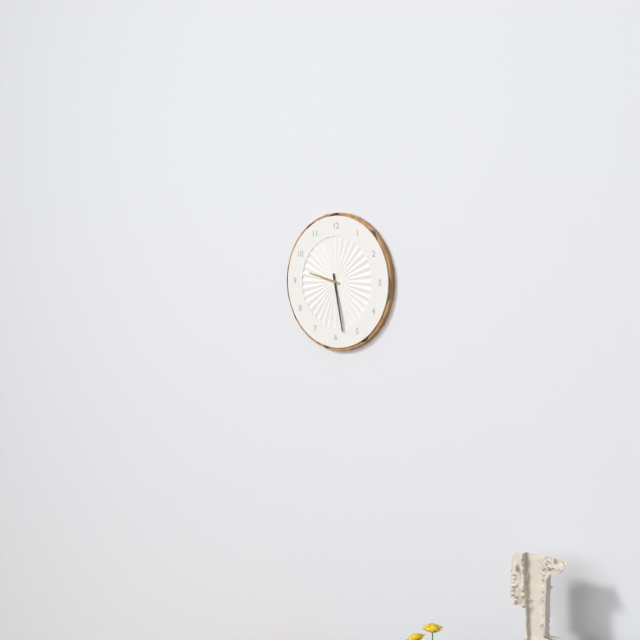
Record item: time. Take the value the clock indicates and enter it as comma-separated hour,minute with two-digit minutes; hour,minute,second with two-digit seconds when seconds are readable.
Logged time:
9,28
